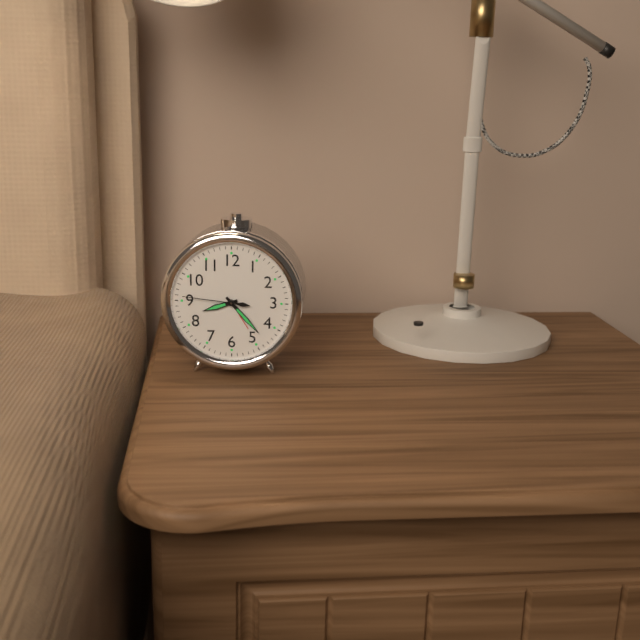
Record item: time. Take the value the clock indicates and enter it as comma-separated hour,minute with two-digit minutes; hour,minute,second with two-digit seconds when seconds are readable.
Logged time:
8,23,46
